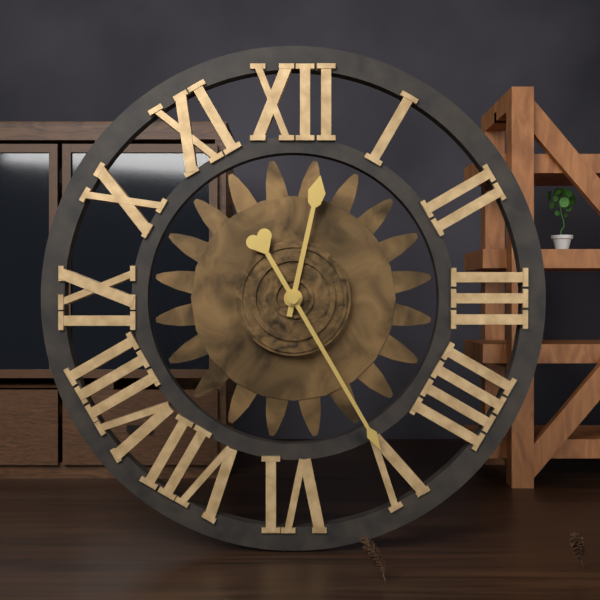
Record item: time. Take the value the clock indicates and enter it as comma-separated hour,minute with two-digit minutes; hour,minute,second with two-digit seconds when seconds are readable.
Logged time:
12,25
